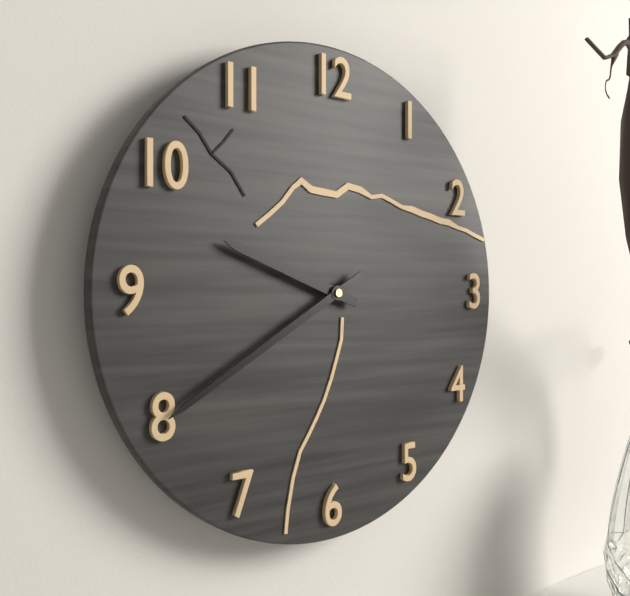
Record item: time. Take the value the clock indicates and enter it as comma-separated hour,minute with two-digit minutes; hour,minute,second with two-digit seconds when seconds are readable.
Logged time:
9,40
